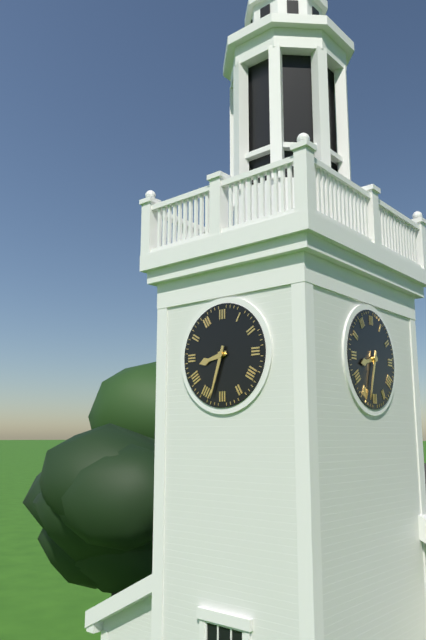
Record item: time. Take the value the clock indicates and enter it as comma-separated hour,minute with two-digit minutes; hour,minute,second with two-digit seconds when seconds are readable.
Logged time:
8,33
